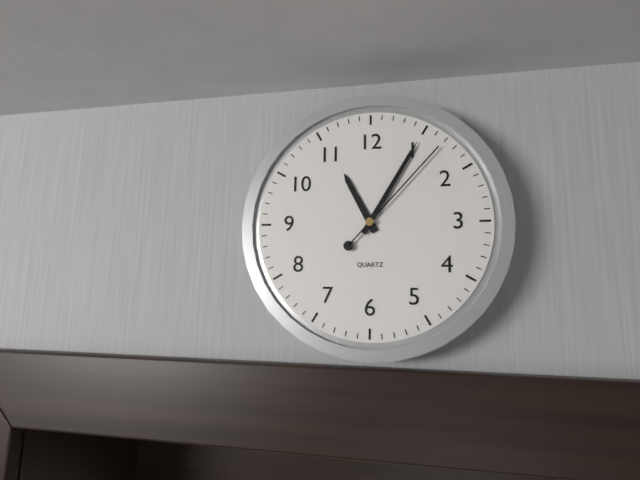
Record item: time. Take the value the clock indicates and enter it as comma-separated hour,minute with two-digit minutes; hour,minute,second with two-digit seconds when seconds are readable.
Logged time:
11,05,07
